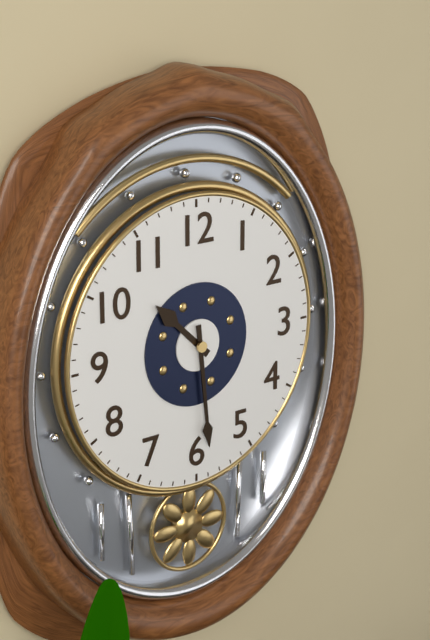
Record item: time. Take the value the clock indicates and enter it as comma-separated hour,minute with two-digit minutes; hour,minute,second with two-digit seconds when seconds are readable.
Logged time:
10,29
